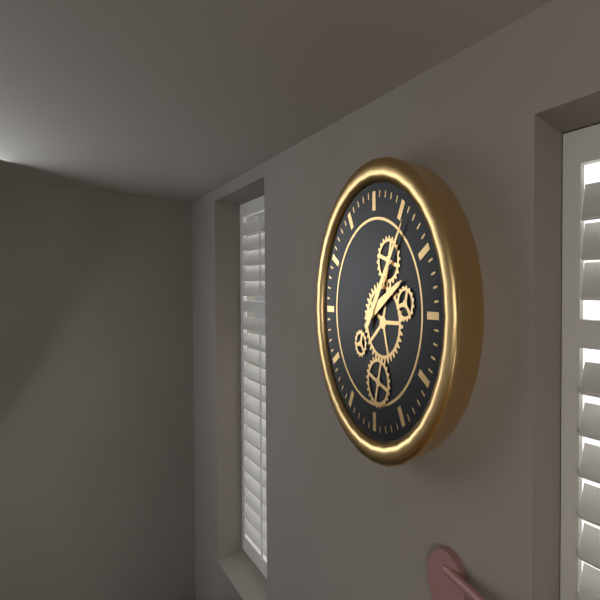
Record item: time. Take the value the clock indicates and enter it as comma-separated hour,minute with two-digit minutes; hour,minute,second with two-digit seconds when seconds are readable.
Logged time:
2,06
